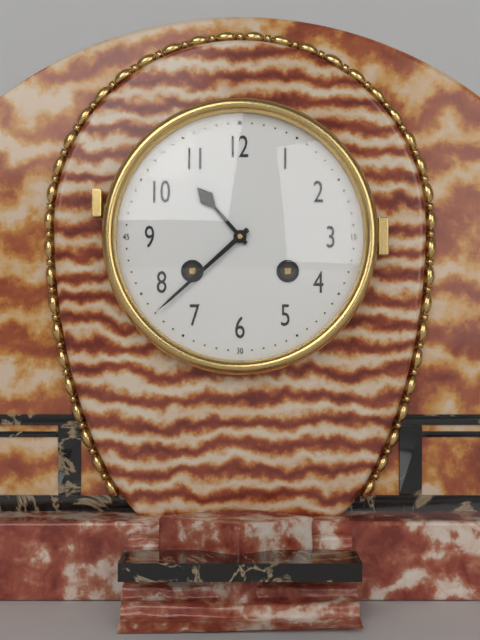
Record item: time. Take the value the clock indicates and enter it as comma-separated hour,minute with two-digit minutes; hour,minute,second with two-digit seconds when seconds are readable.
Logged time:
10,38
